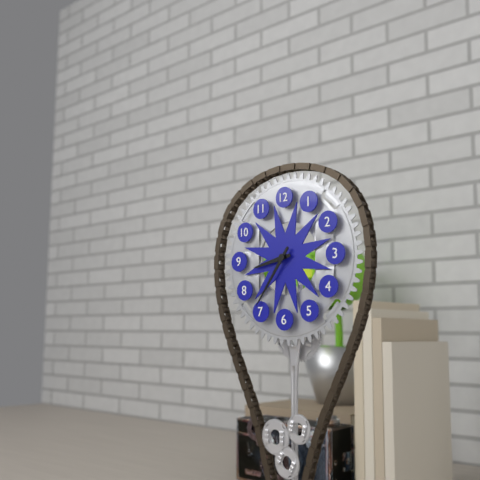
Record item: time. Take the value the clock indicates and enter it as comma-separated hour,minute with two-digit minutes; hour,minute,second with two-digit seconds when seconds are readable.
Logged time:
8,36
